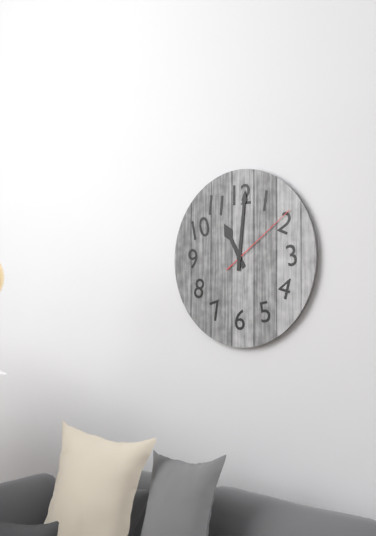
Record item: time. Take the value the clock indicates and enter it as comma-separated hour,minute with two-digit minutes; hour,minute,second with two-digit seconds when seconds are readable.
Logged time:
11,01,09
